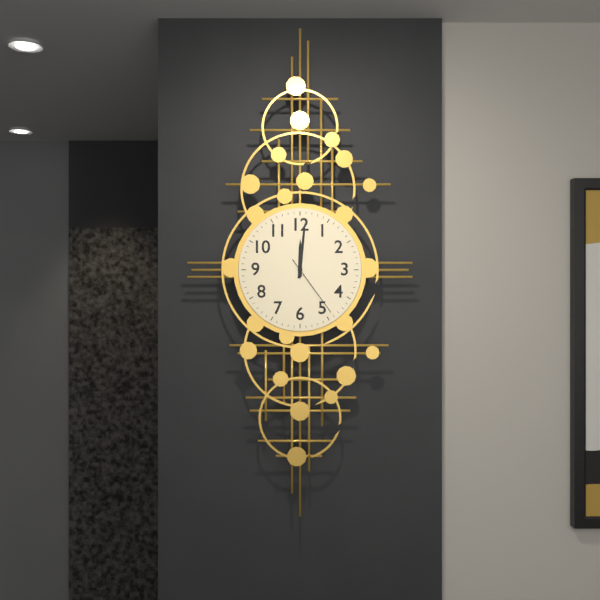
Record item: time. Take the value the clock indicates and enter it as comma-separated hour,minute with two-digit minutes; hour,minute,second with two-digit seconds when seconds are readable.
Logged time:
12,01,24
